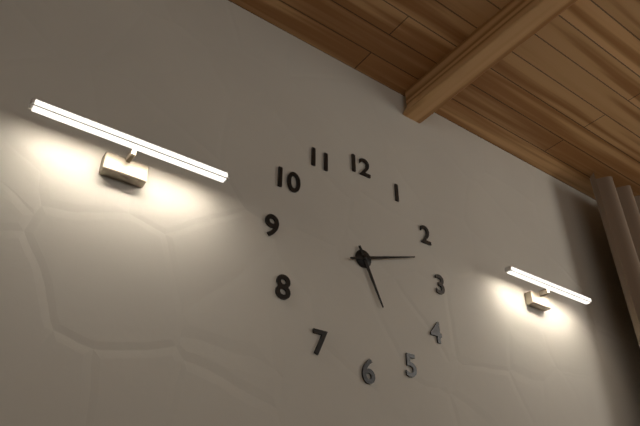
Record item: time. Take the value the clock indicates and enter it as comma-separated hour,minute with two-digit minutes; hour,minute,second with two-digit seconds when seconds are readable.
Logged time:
5,12
